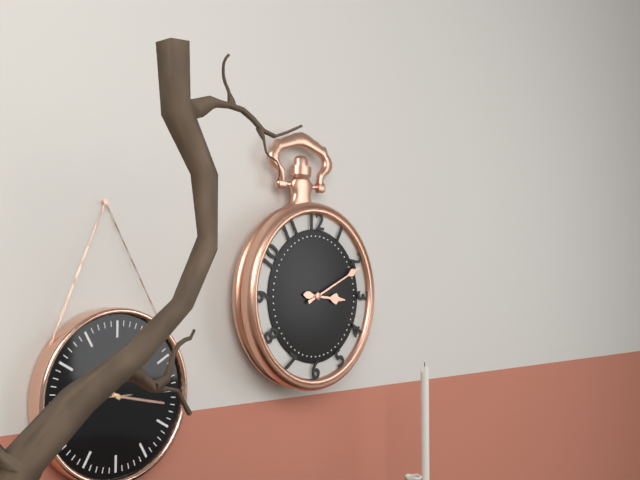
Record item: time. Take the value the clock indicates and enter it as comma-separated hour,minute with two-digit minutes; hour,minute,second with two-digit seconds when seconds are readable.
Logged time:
3,11
